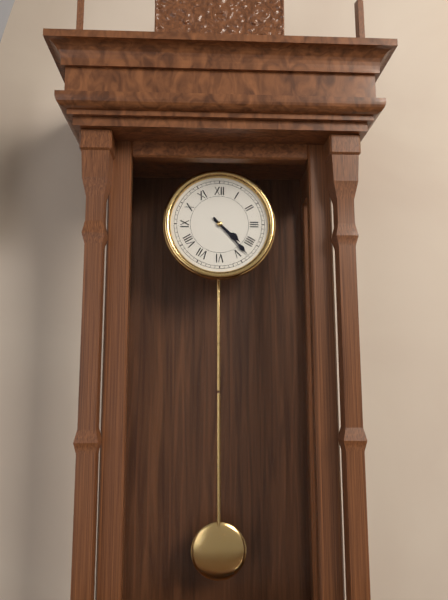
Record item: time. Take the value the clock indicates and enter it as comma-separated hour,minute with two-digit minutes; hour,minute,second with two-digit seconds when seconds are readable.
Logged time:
4,23
